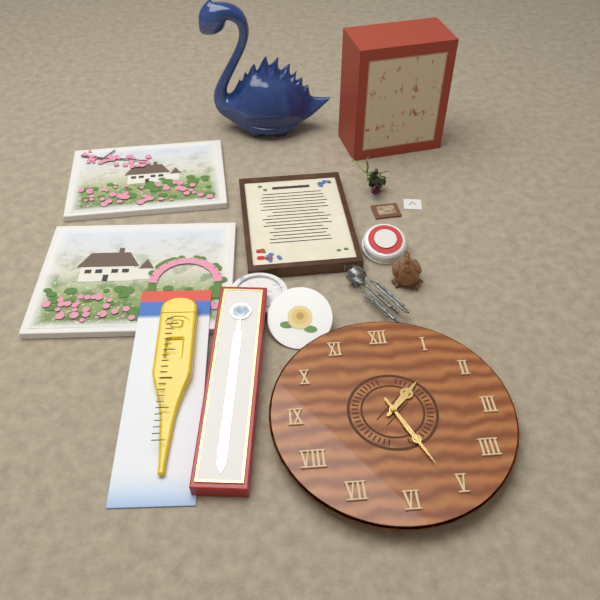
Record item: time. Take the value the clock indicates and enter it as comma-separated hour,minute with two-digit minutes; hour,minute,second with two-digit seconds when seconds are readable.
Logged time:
1,26
